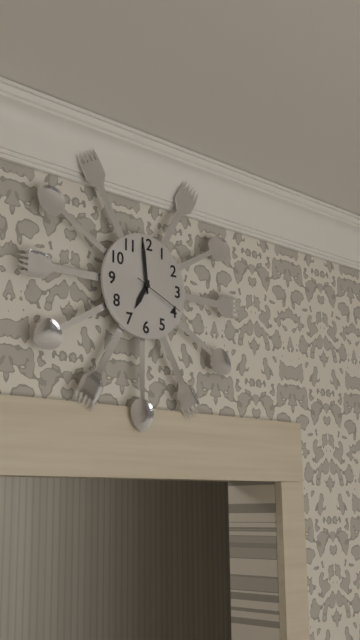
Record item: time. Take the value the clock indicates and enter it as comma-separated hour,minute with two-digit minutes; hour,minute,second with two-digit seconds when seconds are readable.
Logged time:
6,59,19
